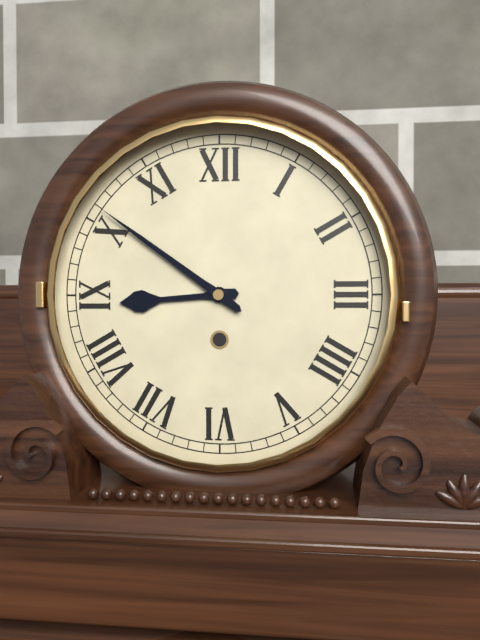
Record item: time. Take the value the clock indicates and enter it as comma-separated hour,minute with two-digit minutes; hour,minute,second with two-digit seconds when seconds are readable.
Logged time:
8,51
